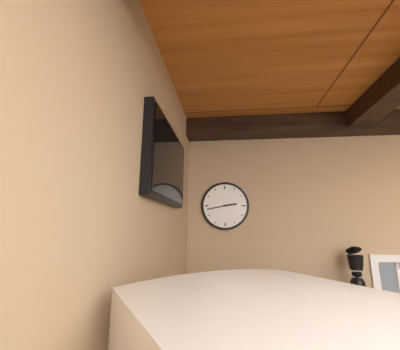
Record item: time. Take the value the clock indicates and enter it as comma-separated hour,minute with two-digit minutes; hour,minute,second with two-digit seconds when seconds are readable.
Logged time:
2,43
